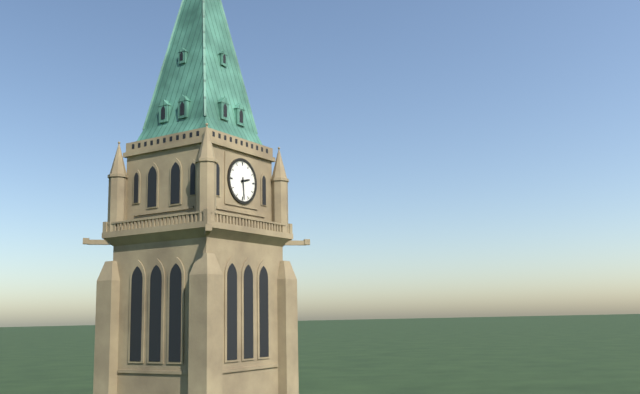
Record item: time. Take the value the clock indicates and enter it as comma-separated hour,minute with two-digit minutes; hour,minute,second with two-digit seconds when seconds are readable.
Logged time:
2,29
